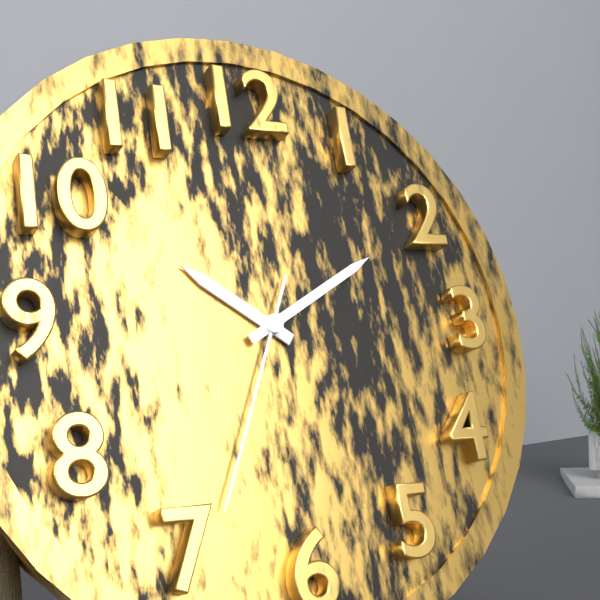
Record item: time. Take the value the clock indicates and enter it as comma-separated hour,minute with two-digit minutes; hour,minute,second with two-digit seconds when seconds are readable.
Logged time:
10,10,34
